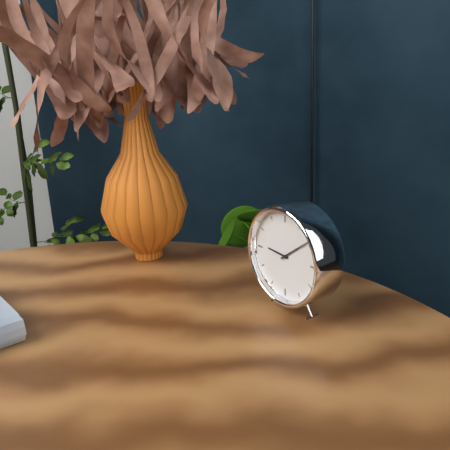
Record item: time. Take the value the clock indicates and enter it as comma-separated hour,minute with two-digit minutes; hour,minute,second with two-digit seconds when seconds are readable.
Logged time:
9,09
